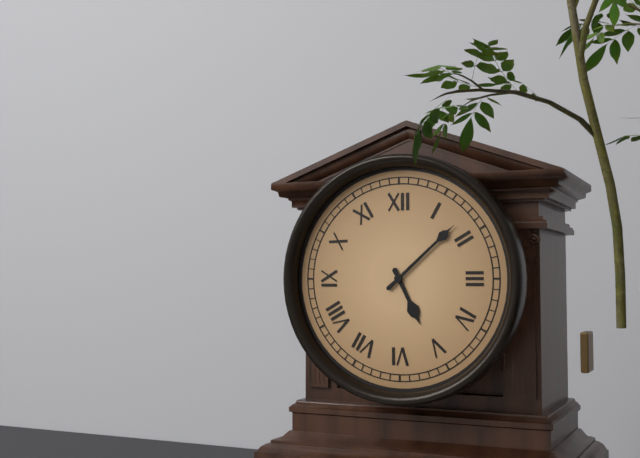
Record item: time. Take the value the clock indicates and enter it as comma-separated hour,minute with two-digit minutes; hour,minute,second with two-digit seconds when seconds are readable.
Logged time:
5,08
